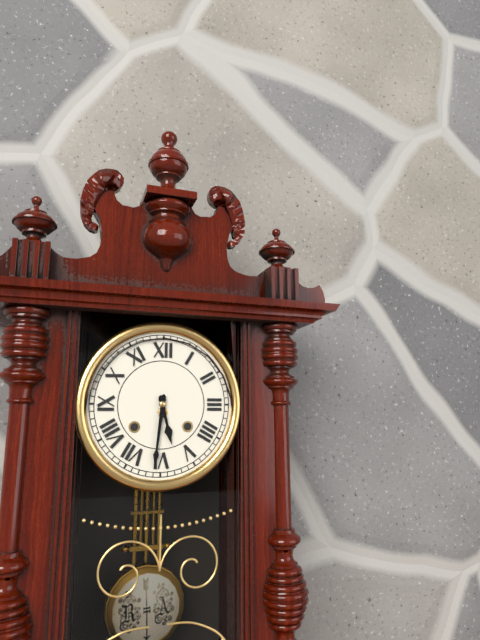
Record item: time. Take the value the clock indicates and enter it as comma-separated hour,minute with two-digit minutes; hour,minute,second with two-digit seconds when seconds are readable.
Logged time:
5,31
